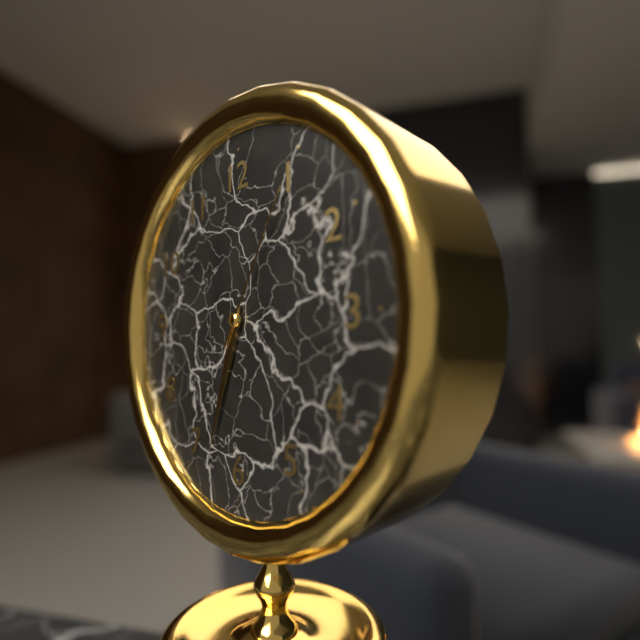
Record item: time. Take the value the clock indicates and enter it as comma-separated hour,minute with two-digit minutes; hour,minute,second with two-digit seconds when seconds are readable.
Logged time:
6,33,05
